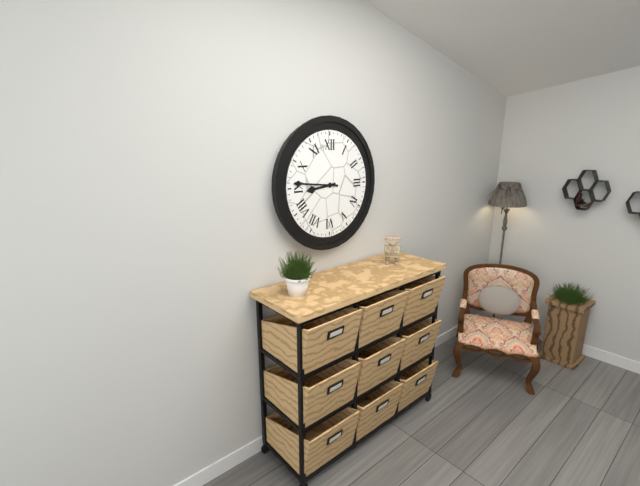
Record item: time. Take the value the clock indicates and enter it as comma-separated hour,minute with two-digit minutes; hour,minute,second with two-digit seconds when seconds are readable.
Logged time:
8,46
